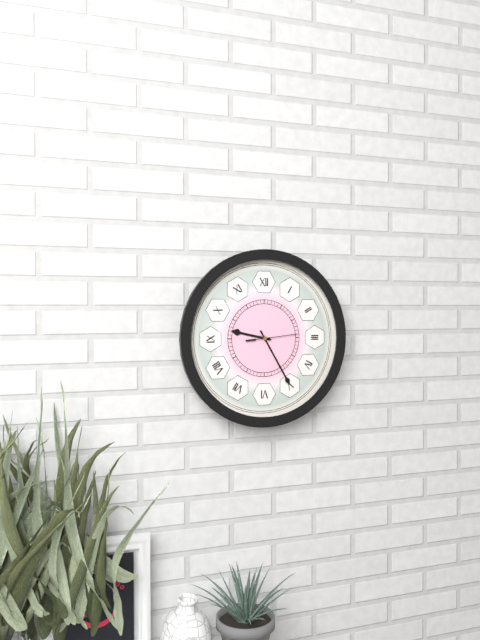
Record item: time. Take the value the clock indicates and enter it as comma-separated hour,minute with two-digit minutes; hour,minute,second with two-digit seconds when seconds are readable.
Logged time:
9,25
